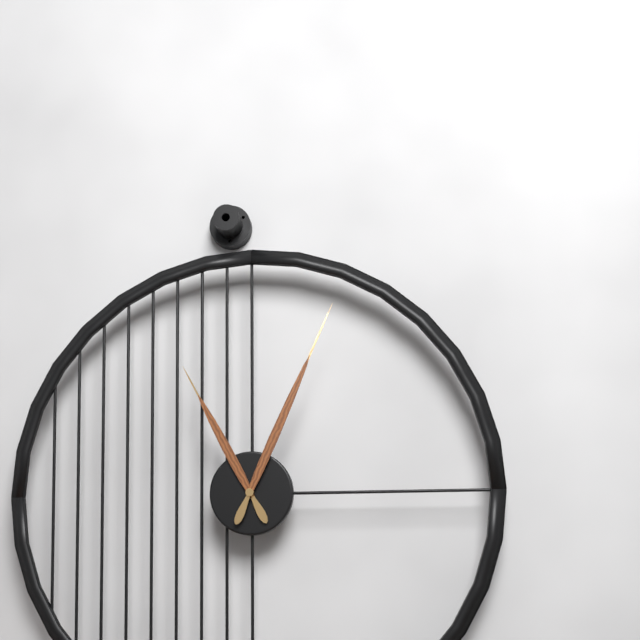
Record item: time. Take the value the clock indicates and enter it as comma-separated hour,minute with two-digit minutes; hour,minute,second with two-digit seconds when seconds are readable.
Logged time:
11,04
